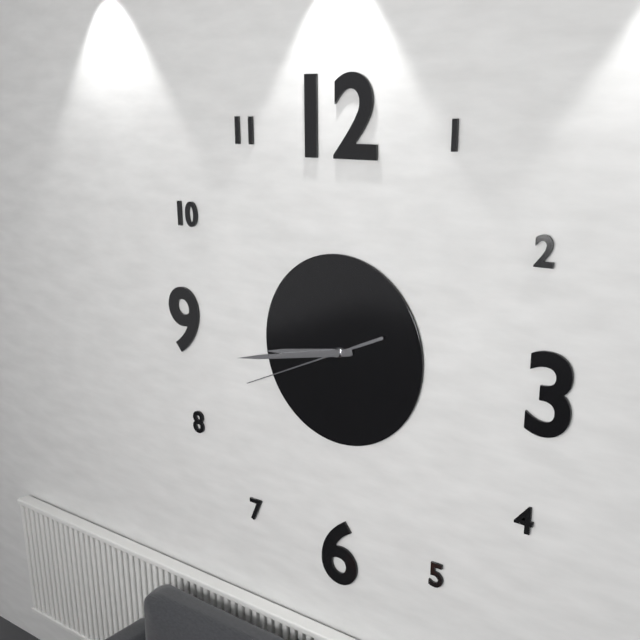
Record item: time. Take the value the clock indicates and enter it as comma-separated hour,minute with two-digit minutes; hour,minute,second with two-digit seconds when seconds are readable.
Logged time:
8,43,41
